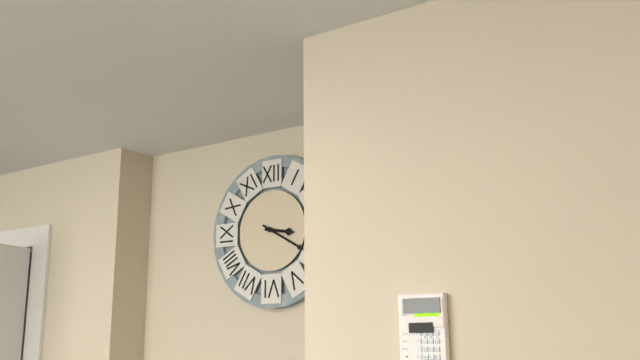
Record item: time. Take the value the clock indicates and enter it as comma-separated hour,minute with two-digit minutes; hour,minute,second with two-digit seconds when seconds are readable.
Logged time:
3,20
